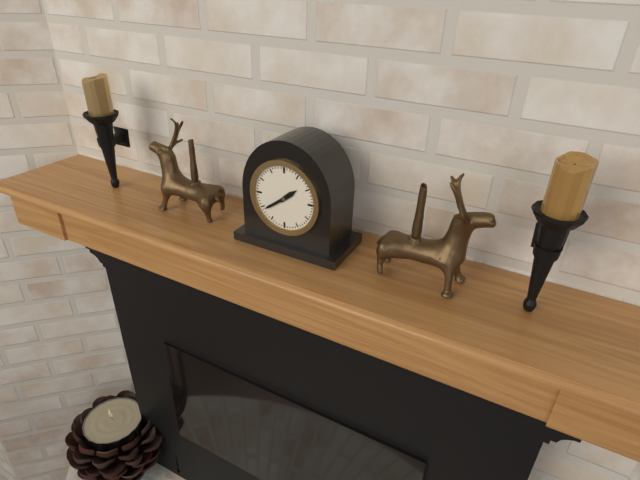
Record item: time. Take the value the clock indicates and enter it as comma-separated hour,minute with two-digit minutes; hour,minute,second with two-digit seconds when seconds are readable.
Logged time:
1,39
